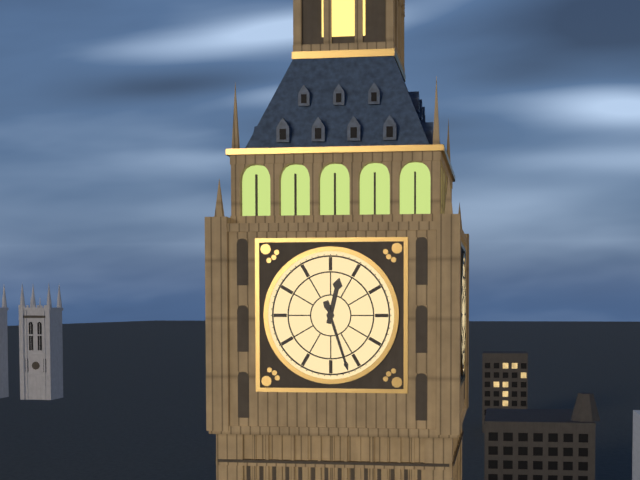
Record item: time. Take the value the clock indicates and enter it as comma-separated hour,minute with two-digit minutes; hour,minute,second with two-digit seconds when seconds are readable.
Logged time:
12,27
